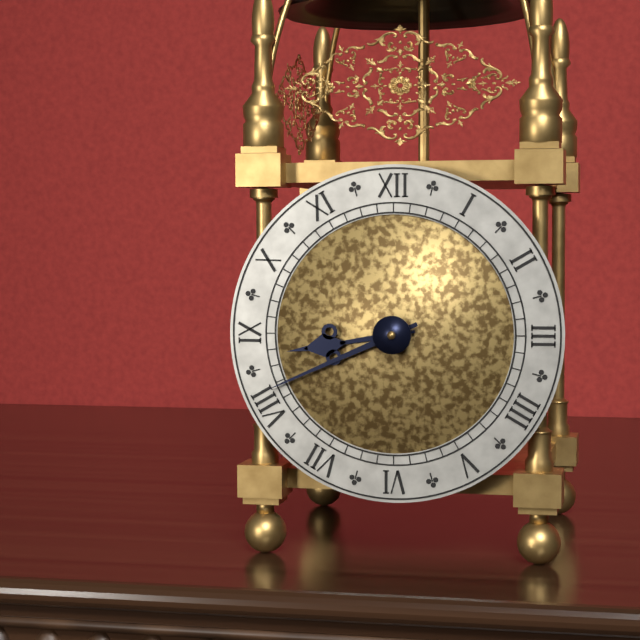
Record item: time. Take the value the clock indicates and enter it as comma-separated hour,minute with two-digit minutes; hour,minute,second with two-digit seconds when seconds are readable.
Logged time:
8,41
